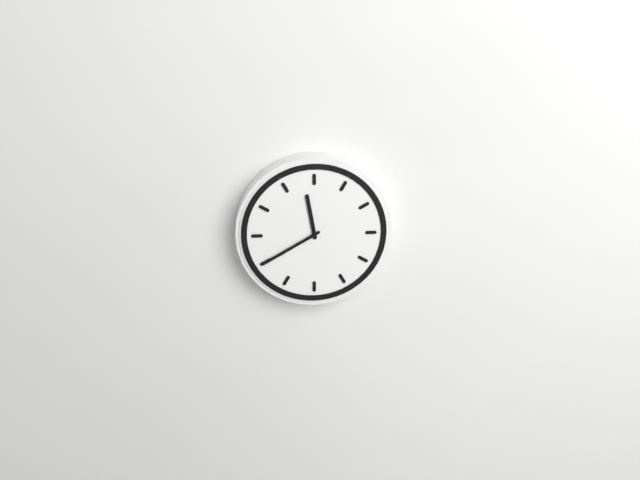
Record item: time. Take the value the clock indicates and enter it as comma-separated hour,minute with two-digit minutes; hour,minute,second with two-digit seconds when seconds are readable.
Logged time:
11,40
